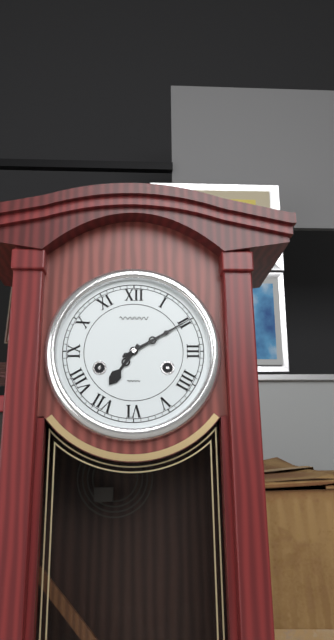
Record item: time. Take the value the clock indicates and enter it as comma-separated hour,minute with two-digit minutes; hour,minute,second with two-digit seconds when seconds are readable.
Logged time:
7,10
